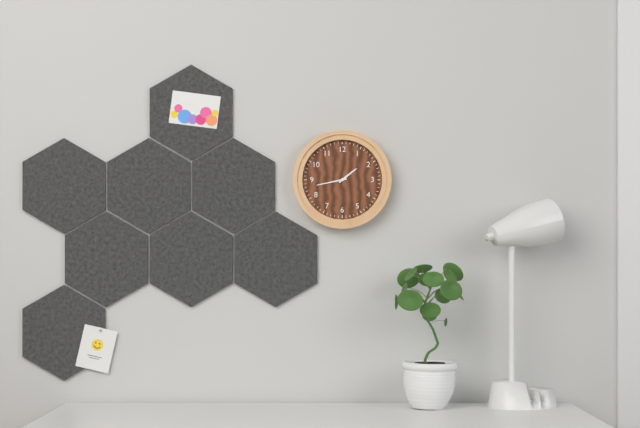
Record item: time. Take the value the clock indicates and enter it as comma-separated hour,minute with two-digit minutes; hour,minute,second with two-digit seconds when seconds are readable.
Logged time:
1,43
